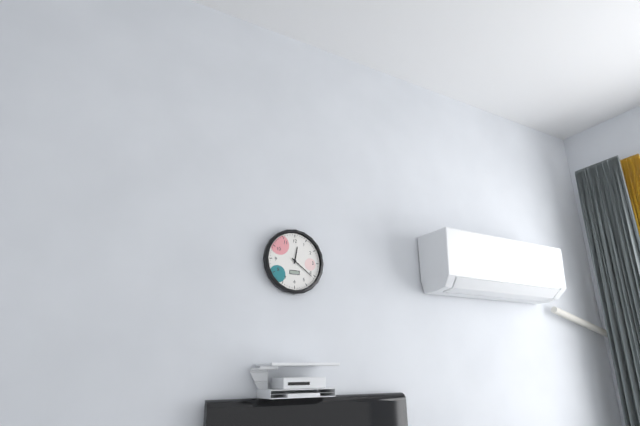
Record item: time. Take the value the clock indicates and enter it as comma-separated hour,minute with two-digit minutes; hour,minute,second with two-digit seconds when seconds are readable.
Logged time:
12,21
